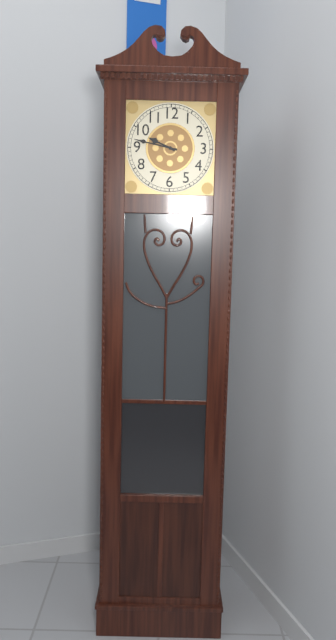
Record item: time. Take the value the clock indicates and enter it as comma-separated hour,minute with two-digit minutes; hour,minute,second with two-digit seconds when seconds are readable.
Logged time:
9,47
